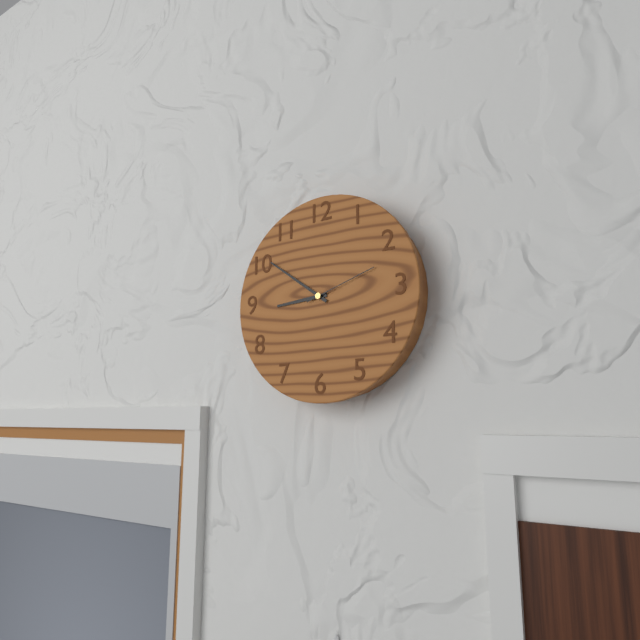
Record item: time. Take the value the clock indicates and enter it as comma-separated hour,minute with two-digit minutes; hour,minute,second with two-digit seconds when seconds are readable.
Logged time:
8,51,12
